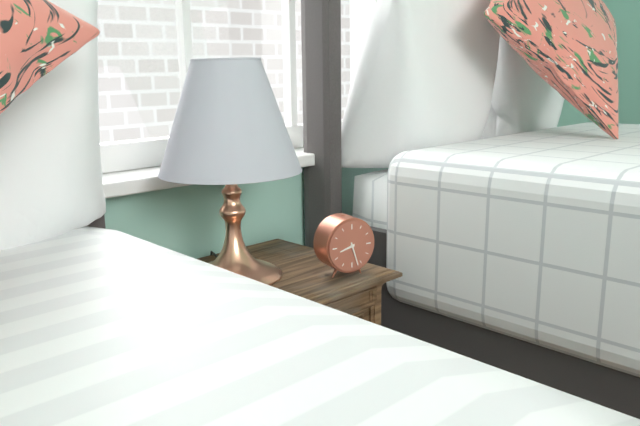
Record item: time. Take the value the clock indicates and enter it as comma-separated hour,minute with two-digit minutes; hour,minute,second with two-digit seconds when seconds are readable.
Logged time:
8,27
